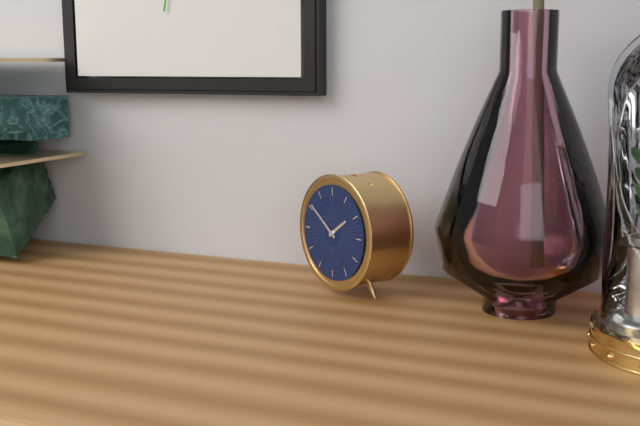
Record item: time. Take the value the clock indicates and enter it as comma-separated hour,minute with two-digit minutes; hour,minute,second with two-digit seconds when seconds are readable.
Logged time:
1,51
